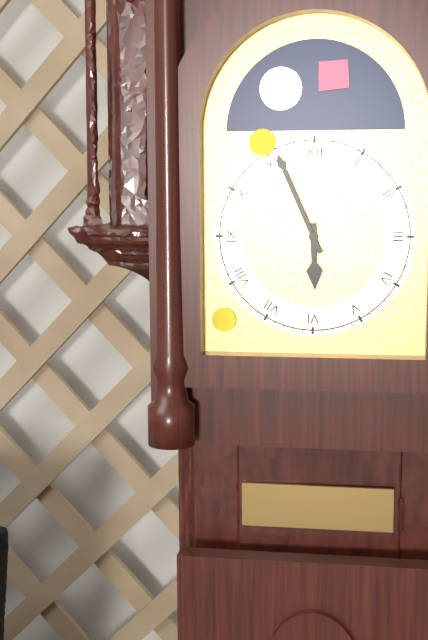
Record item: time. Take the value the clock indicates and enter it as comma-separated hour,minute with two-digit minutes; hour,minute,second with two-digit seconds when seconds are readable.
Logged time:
5,56
